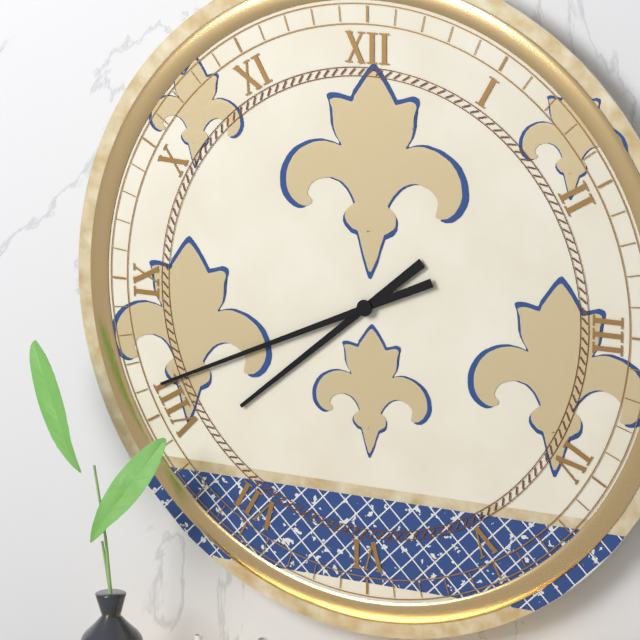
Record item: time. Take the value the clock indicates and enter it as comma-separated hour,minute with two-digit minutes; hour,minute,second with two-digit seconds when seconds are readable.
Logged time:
7,41
